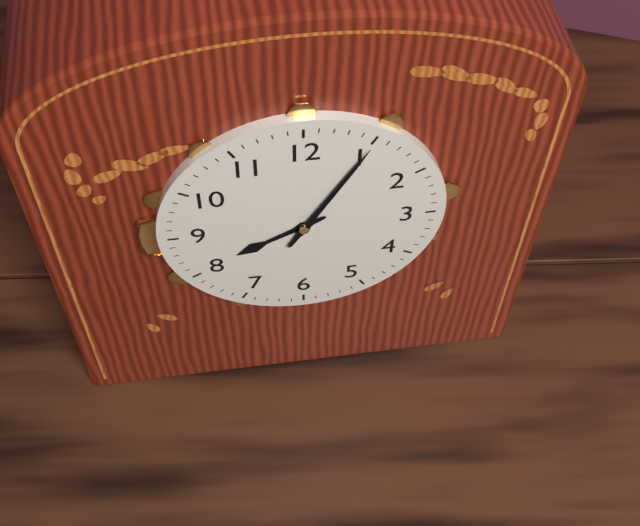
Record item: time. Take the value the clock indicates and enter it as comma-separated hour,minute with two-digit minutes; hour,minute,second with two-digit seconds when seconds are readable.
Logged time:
8,05
